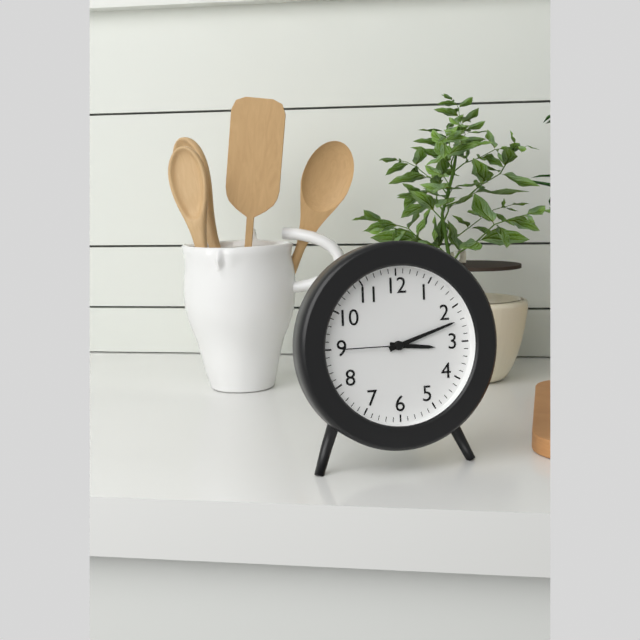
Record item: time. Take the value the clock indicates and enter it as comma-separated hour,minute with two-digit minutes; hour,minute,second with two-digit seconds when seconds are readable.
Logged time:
3,12,45
